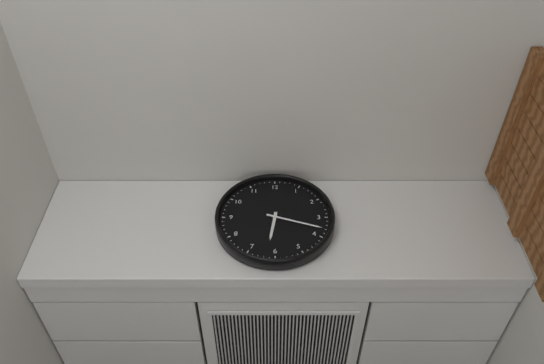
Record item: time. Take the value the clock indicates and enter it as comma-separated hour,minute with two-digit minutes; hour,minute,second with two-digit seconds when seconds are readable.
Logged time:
6,18
